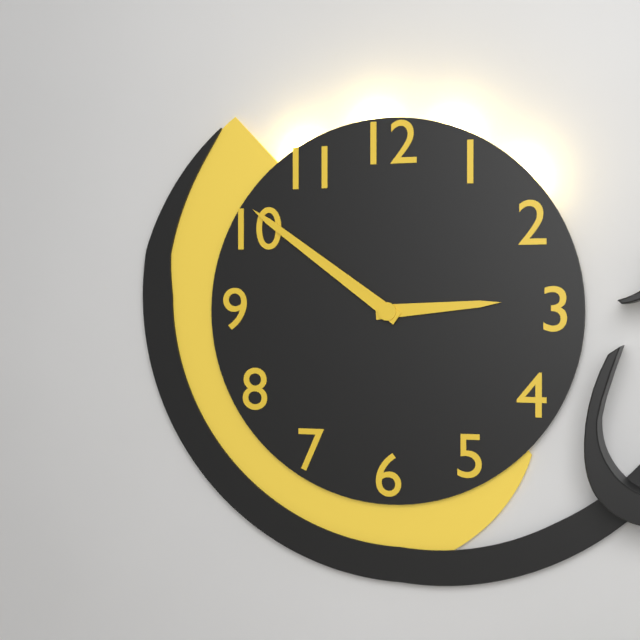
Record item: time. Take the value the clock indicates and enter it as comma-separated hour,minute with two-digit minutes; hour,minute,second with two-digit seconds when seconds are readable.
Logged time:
2,51
